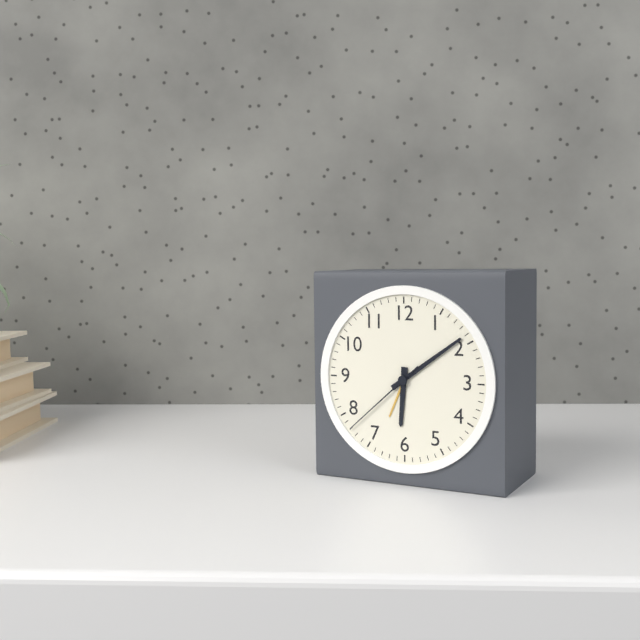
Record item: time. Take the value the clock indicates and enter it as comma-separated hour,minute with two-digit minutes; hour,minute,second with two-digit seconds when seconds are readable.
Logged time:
6,09,38
